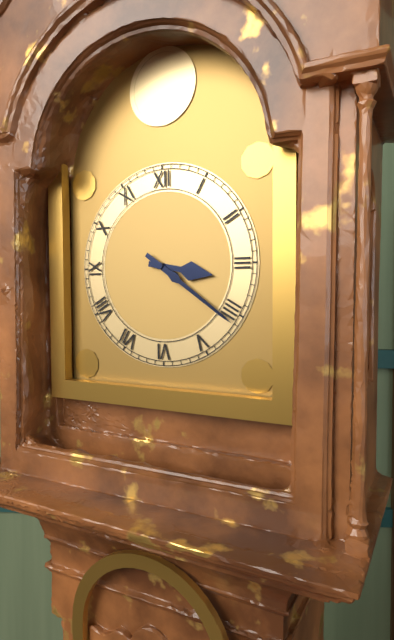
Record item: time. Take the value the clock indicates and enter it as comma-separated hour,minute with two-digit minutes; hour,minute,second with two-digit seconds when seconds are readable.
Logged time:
3,21
